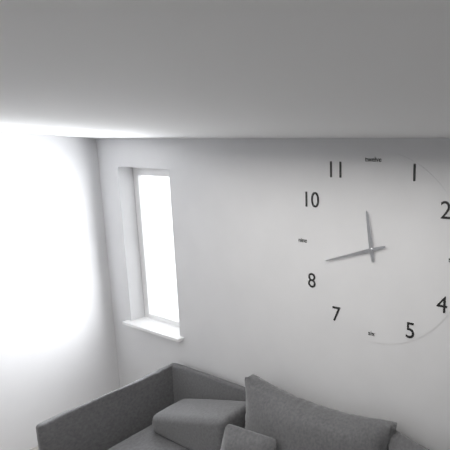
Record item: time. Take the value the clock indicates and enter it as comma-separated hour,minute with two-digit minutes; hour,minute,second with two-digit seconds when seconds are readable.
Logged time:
11,42
